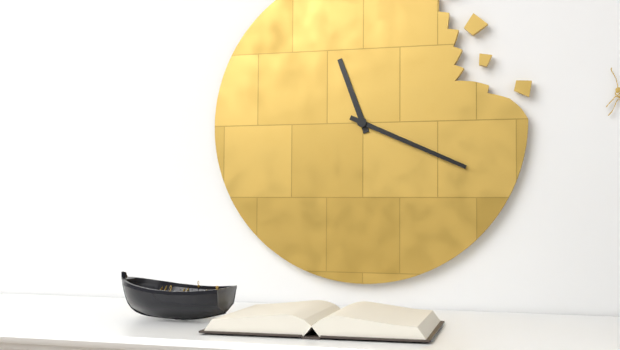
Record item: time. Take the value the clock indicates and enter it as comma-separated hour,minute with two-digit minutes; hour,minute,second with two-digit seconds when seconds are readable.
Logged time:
11,19
